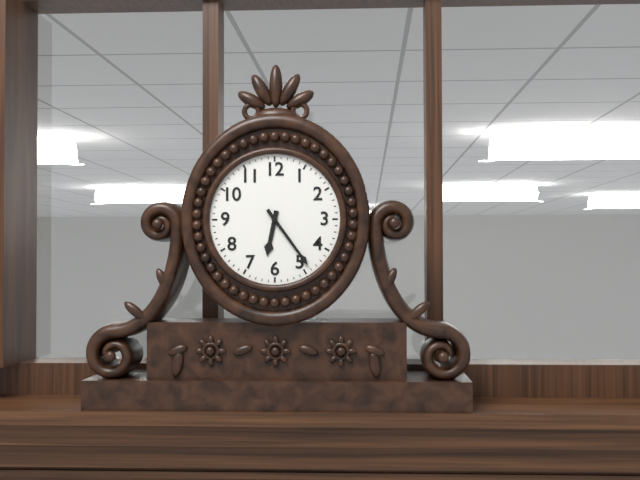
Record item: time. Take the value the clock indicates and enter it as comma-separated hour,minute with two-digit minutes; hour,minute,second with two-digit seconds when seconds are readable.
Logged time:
6,24
